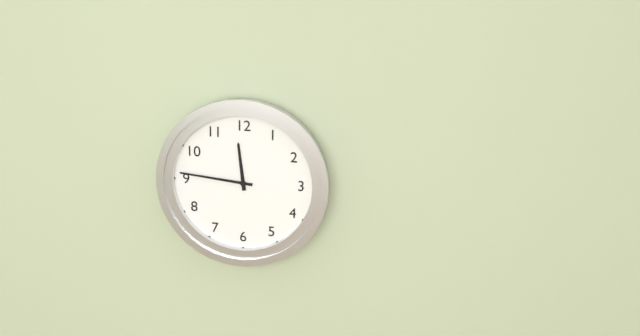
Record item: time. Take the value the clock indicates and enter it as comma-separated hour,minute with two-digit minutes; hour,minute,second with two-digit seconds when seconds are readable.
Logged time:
11,46
